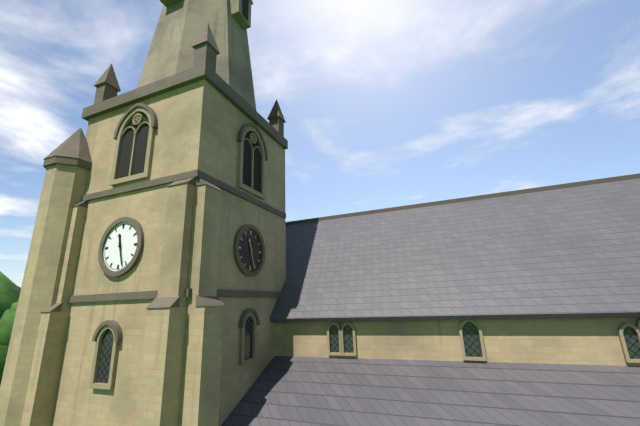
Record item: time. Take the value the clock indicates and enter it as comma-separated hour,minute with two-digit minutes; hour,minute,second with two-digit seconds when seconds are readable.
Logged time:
11,27
